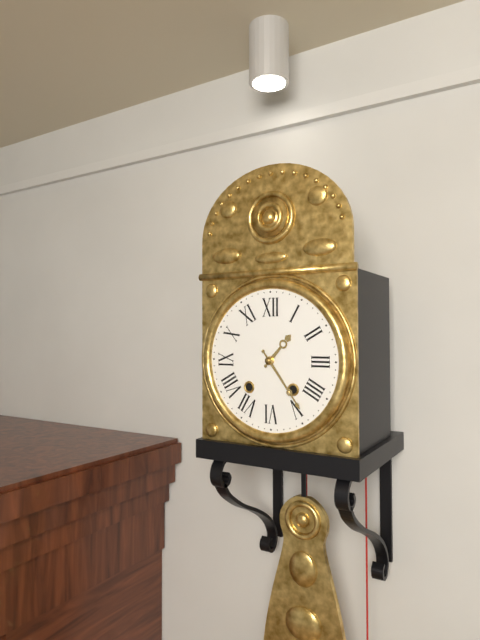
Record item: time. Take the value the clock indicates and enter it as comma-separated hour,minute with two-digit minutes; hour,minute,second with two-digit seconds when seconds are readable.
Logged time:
1,24
